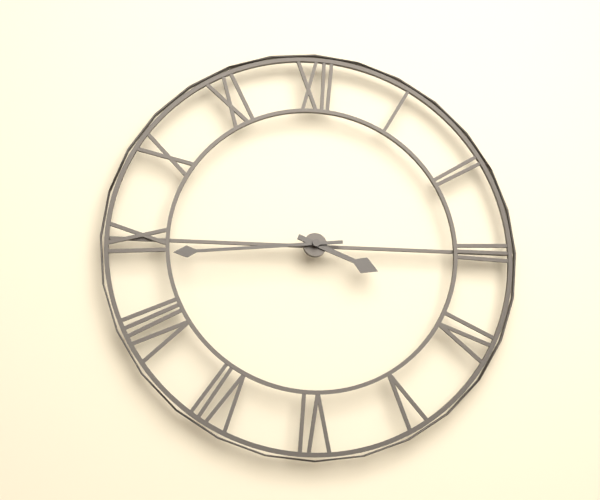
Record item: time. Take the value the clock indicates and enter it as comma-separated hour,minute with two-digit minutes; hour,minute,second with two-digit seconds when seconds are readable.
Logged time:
3,44
